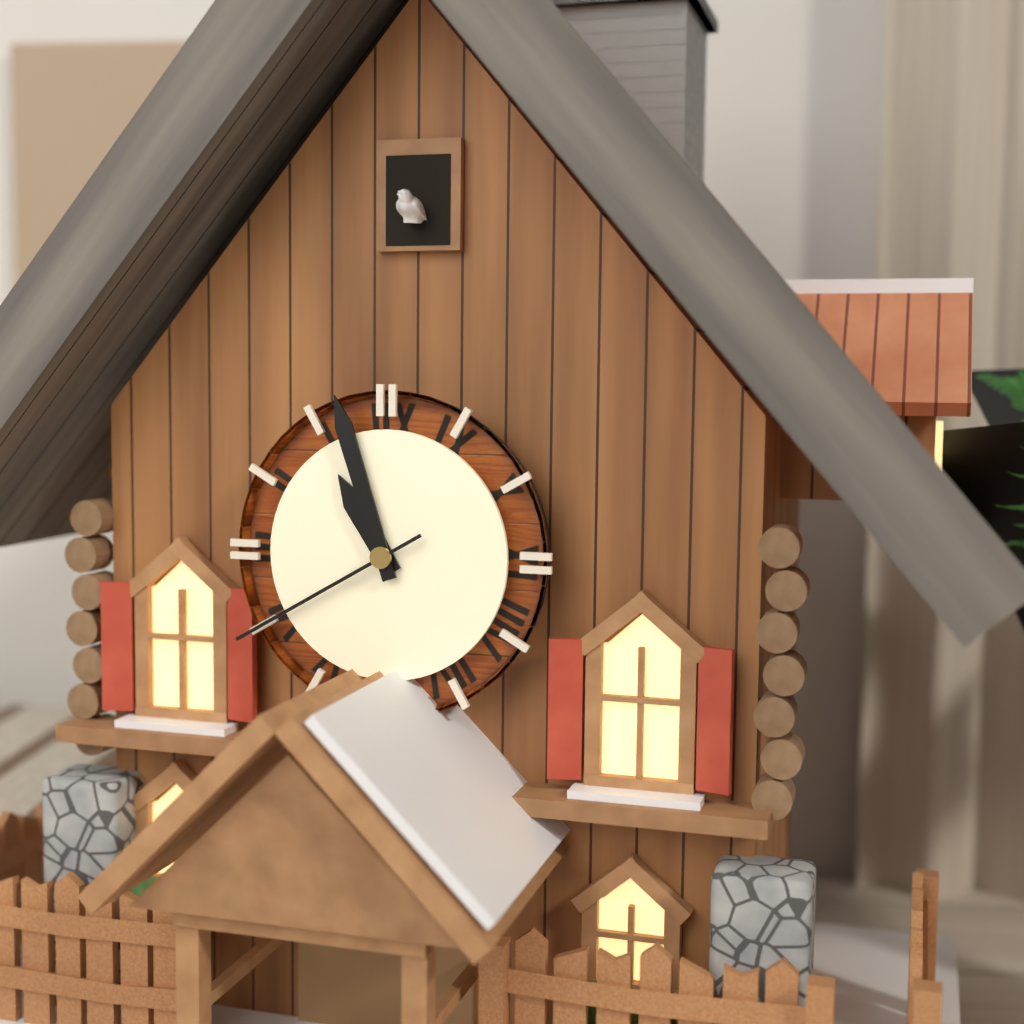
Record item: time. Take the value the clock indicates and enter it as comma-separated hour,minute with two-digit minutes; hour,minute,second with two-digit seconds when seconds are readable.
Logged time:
10,57,40
